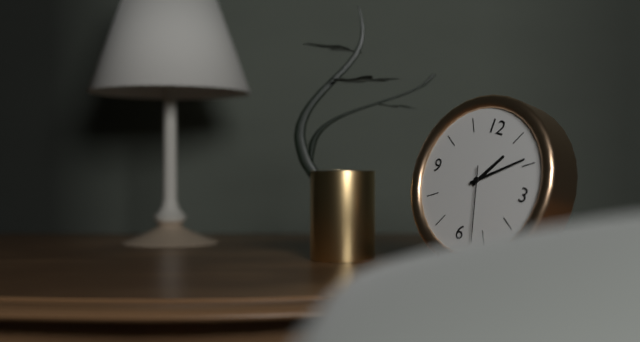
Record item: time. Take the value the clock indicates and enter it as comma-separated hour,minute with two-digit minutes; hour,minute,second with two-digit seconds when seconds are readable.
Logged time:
1,09,27
